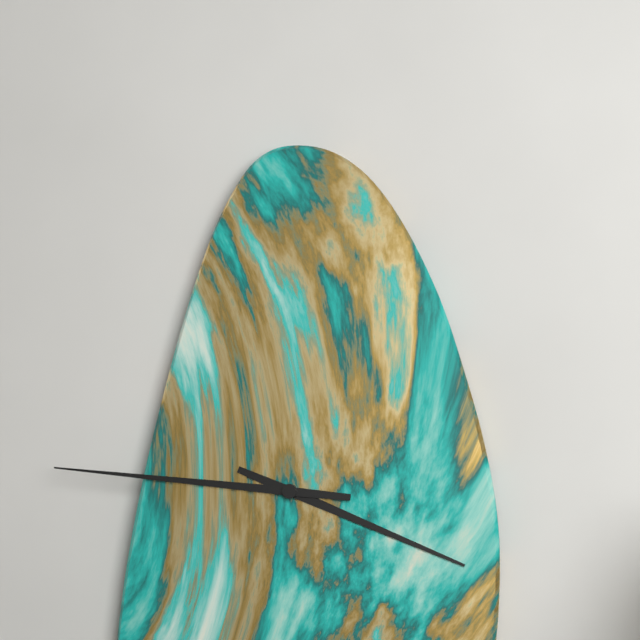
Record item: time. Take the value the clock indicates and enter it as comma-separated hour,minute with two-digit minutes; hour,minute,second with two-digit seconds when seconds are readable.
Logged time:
3,46
